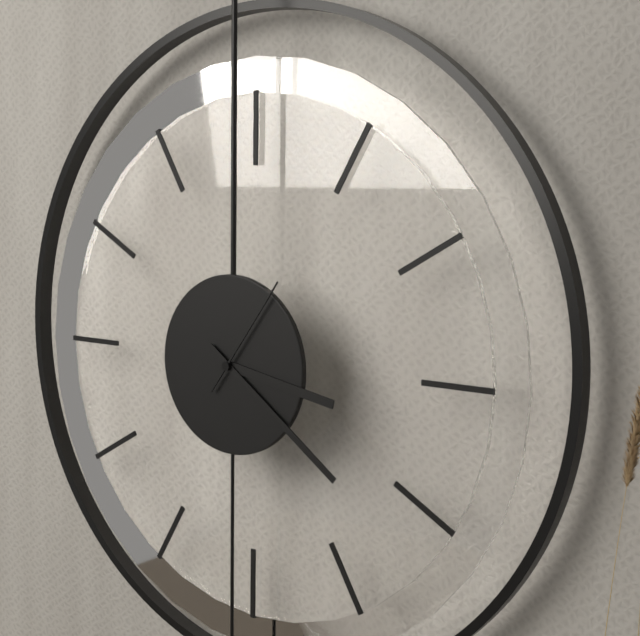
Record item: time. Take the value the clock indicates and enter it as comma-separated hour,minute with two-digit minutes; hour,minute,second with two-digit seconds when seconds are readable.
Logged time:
3,21,06
